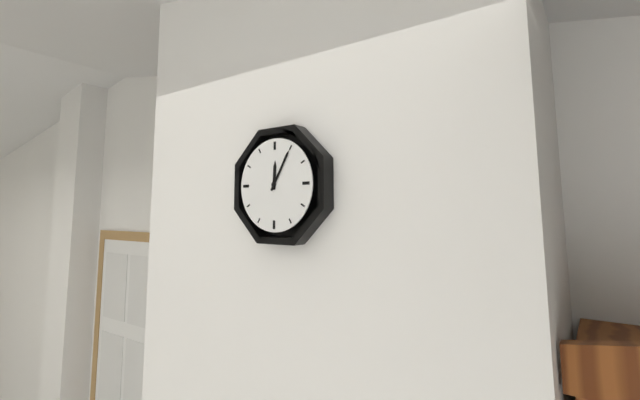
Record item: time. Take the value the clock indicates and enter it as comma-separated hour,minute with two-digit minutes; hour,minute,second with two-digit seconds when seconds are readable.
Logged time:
12,05
